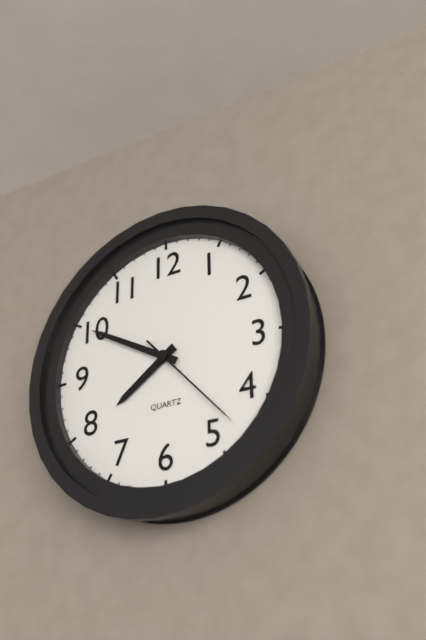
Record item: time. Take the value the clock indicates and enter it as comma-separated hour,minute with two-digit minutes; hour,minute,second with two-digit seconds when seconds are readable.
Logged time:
7,50,23
